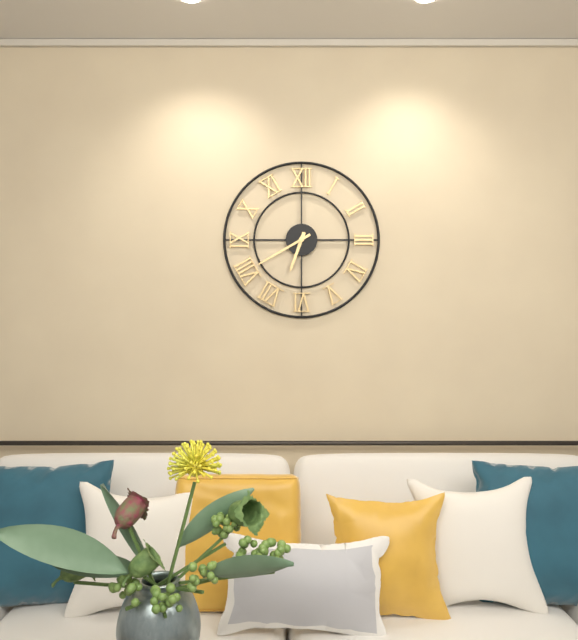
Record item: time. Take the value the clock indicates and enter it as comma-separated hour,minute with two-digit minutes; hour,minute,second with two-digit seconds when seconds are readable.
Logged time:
6,40
